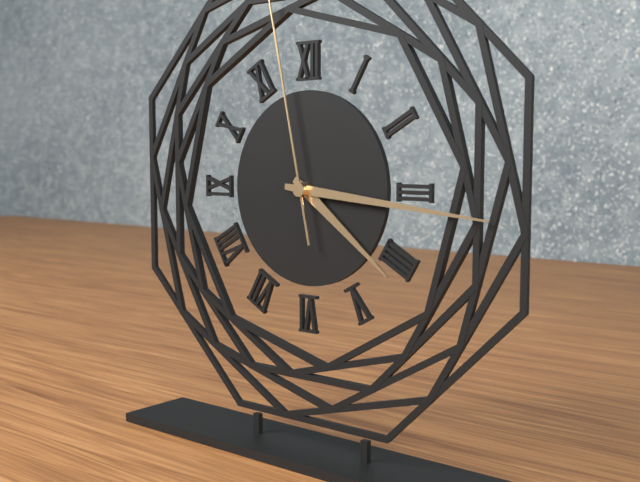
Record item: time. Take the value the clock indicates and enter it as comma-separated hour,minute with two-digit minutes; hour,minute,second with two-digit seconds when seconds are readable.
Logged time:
4,16
